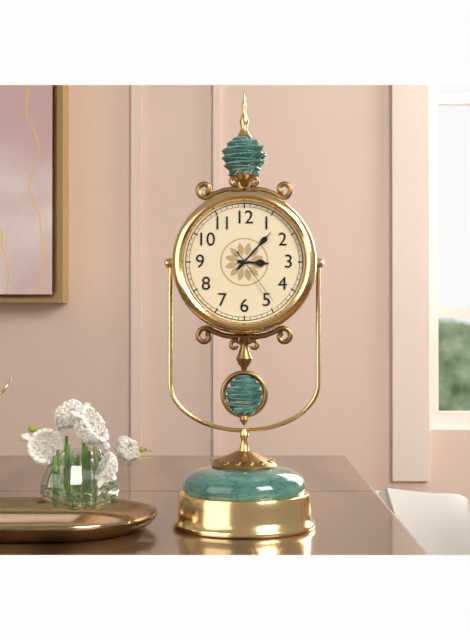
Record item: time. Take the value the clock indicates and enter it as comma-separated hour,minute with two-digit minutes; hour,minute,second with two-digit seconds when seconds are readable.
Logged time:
3,07,24
